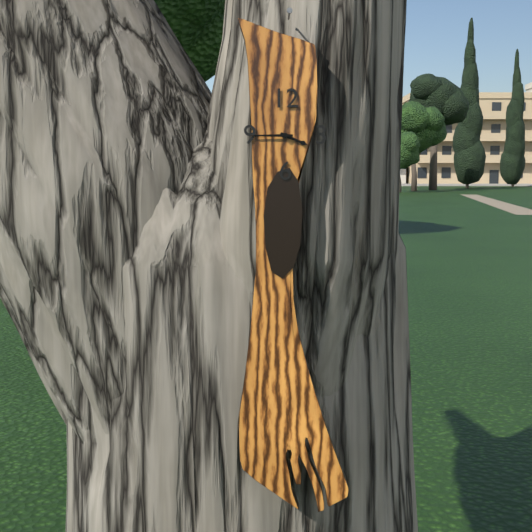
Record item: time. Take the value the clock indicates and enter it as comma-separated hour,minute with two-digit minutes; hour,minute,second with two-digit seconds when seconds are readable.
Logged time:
3,45
